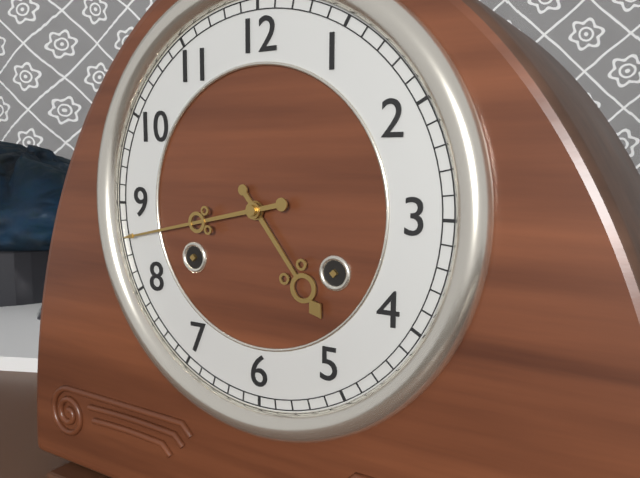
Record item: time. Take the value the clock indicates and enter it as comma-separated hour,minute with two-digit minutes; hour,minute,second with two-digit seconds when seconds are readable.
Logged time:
4,43
